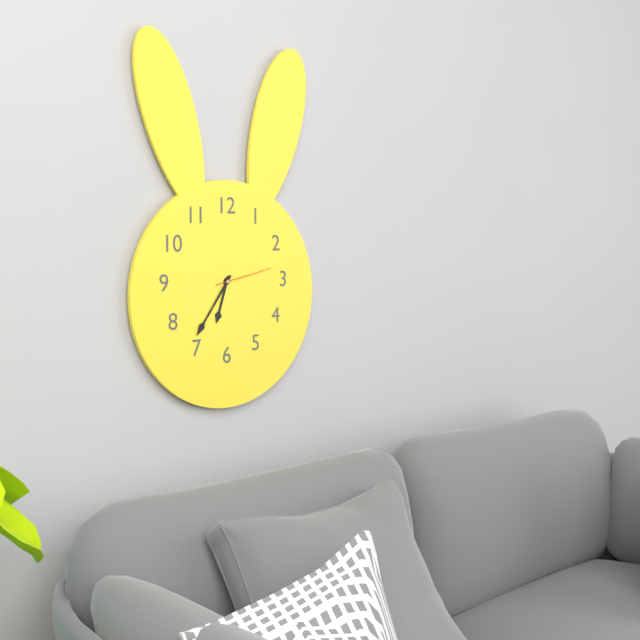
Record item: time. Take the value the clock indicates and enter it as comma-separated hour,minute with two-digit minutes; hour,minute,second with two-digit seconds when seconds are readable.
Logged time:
6,36,13
